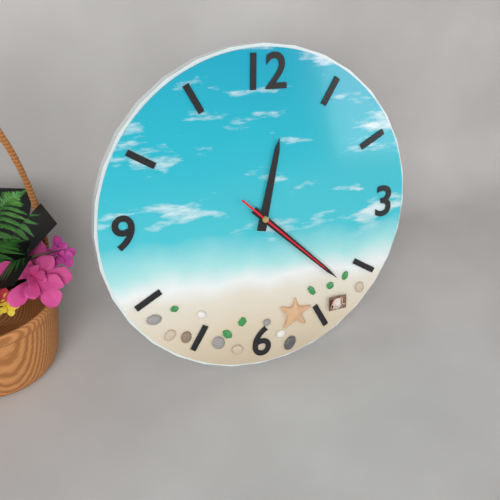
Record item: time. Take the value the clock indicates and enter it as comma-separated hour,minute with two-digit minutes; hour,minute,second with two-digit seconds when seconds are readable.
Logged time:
12,22,22
